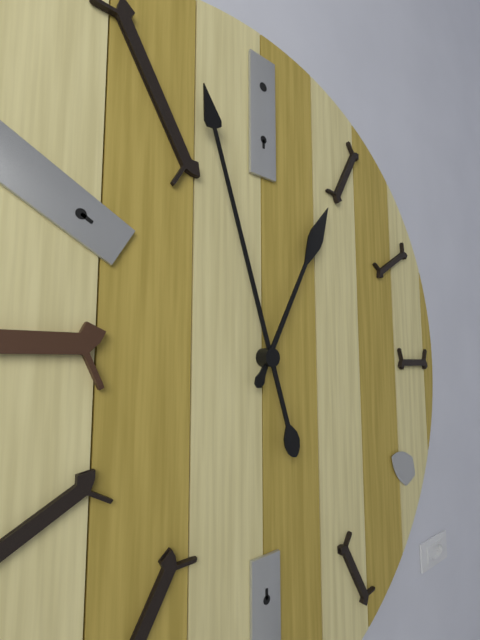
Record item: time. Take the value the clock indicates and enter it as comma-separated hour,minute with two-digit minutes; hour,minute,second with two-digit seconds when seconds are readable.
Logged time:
12,57
